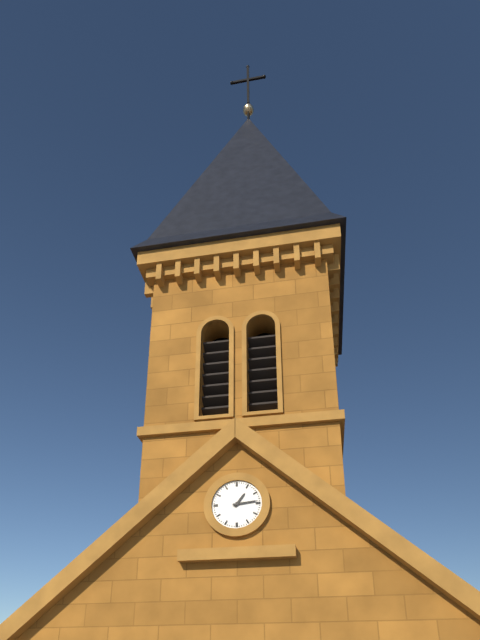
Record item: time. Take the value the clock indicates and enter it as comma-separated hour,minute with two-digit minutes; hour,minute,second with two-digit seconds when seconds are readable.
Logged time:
1,14
